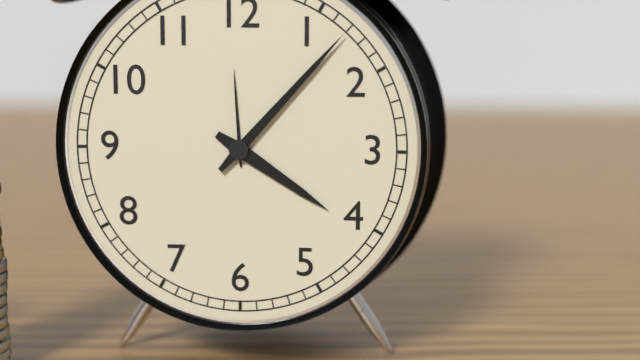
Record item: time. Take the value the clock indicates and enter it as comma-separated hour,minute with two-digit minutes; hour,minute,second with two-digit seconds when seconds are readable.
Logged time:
4,07
